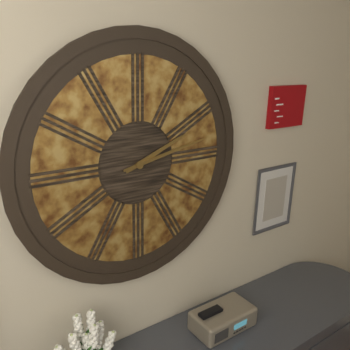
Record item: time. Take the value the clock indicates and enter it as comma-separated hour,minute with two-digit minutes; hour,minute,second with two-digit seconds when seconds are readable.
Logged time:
2,13
